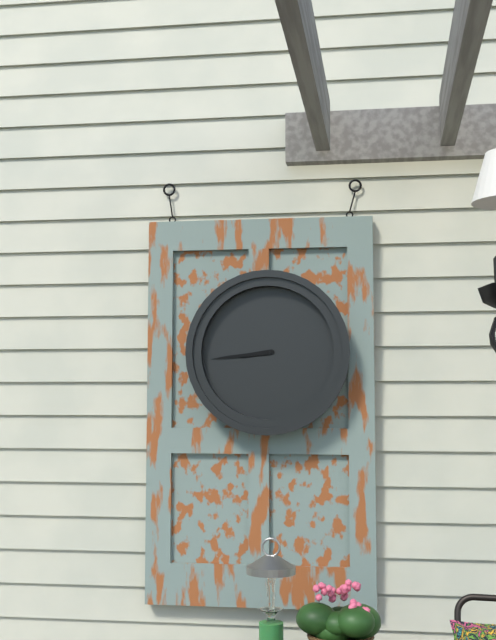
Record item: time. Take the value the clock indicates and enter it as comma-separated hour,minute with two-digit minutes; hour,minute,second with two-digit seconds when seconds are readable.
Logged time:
8,44
